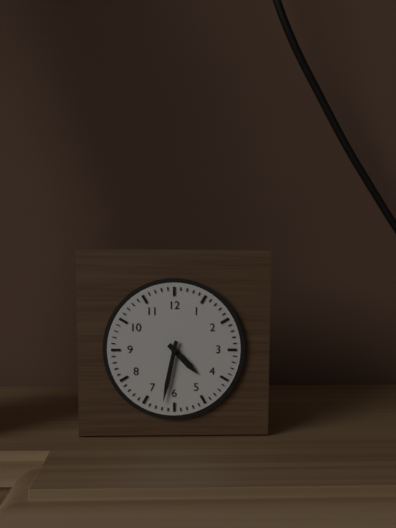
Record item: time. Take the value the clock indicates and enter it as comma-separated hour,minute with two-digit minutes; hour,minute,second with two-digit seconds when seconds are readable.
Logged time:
4,32
